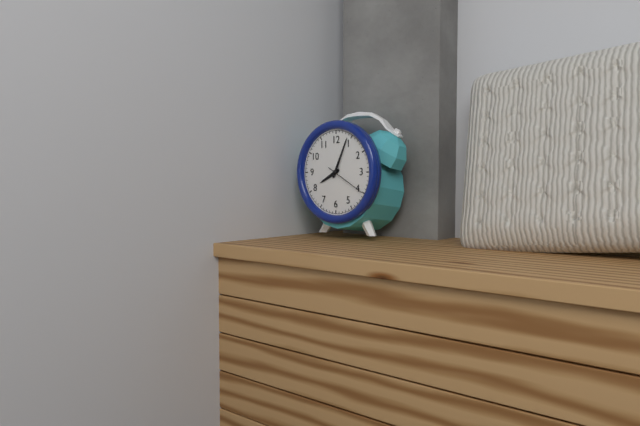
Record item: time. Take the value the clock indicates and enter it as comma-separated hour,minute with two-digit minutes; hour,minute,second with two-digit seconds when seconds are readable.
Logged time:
8,04
